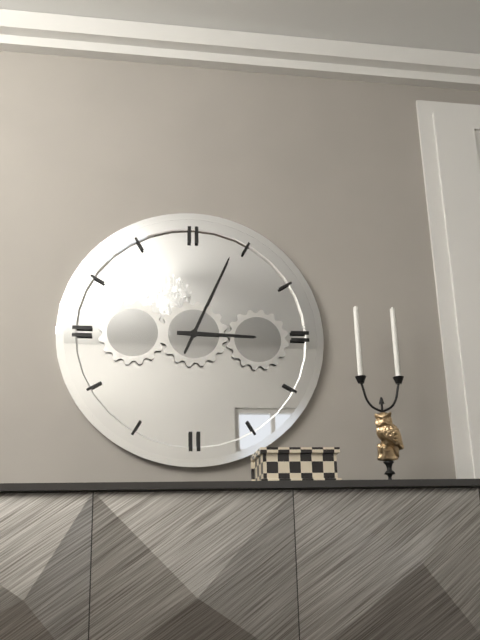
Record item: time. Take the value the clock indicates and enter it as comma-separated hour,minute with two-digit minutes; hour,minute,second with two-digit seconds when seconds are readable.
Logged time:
3,04
